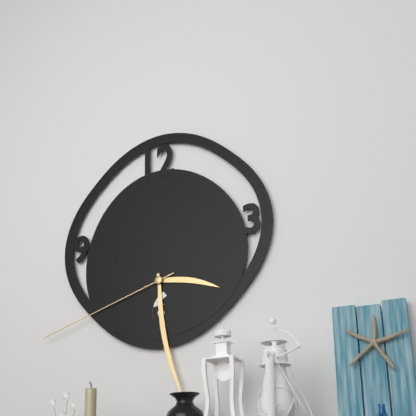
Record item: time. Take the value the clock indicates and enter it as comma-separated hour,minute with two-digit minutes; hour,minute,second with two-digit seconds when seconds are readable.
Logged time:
3,28,42
